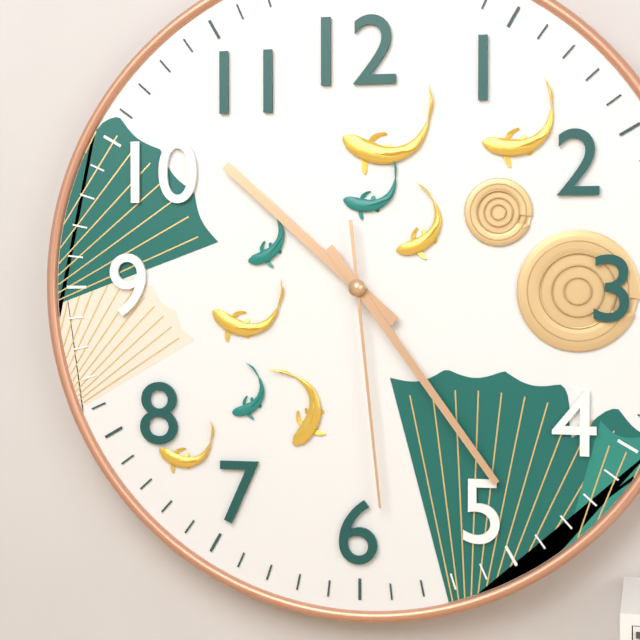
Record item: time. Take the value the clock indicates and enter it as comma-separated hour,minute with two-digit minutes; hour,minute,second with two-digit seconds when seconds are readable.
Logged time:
10,24,29
